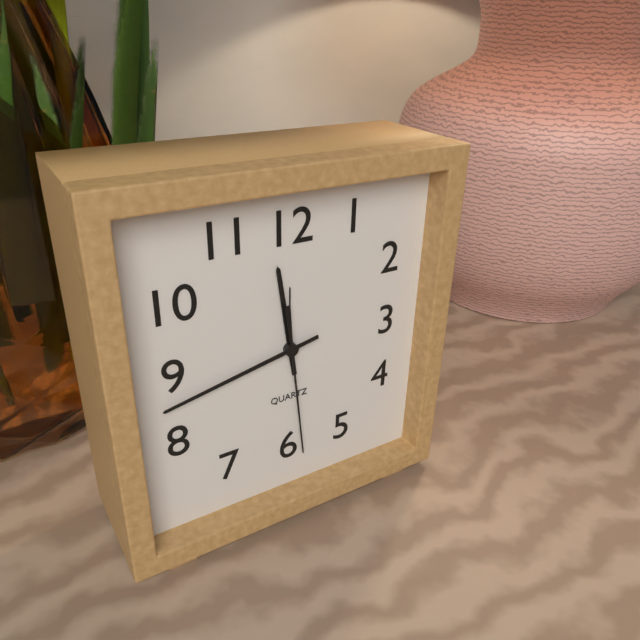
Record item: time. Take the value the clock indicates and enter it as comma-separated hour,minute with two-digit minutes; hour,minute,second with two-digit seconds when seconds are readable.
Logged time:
11,43,29
